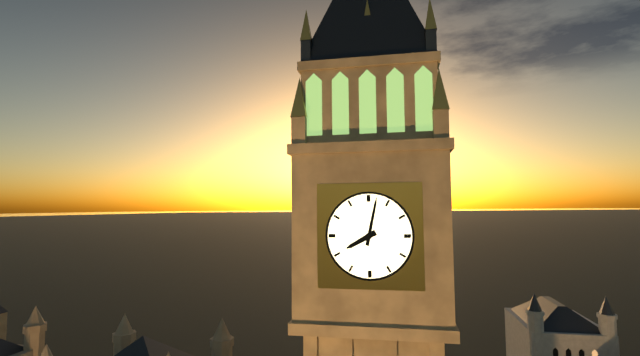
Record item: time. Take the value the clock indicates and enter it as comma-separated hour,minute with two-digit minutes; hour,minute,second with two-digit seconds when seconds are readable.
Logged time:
8,02
